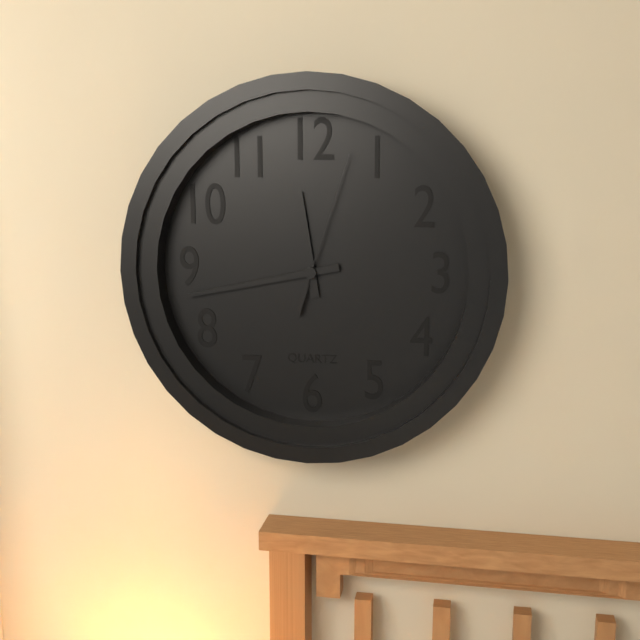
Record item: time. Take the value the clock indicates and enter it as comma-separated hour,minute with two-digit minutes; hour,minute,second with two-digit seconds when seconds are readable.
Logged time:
11,43,03
